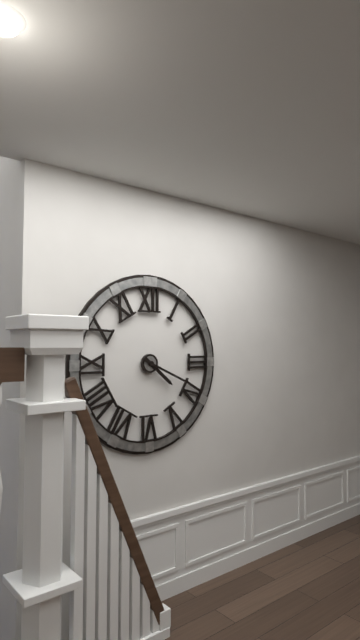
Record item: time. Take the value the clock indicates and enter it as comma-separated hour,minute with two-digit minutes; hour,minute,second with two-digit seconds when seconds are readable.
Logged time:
4,19
